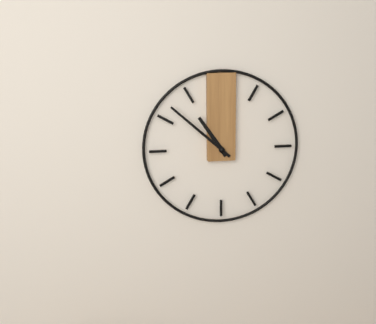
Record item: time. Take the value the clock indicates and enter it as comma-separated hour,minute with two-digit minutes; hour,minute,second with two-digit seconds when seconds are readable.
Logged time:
10,52
